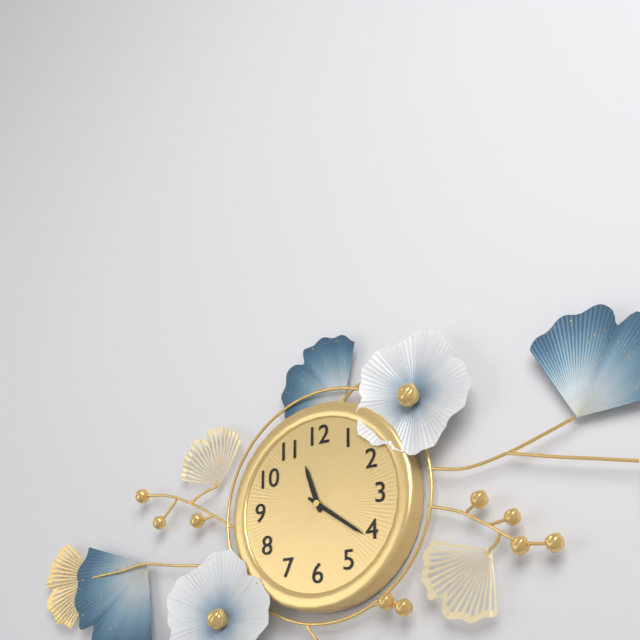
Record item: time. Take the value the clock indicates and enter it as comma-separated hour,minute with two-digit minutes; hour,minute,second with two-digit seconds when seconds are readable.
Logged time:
11,21
